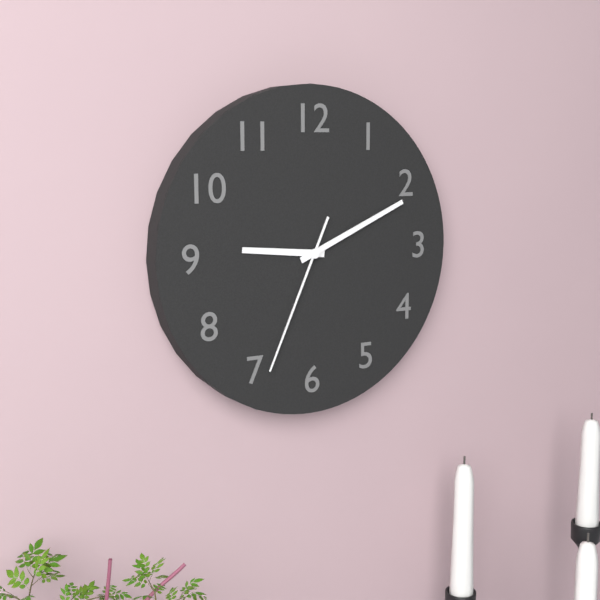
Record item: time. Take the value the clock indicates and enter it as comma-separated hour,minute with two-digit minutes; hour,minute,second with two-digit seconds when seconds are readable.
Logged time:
9,11,34
